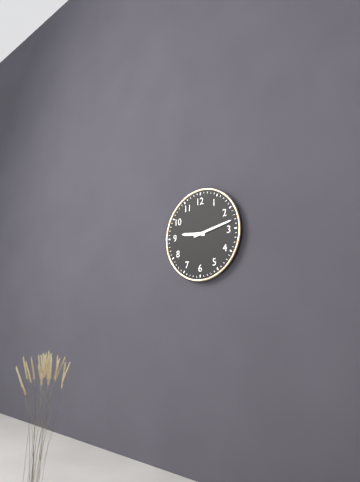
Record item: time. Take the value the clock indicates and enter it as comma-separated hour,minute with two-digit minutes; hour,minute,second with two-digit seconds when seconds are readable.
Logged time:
9,13
